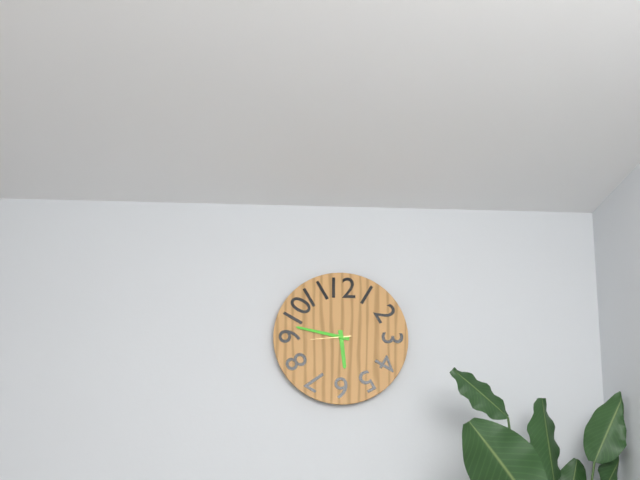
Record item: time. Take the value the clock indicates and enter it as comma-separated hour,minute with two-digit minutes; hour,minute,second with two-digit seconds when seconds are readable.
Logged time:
5,47
